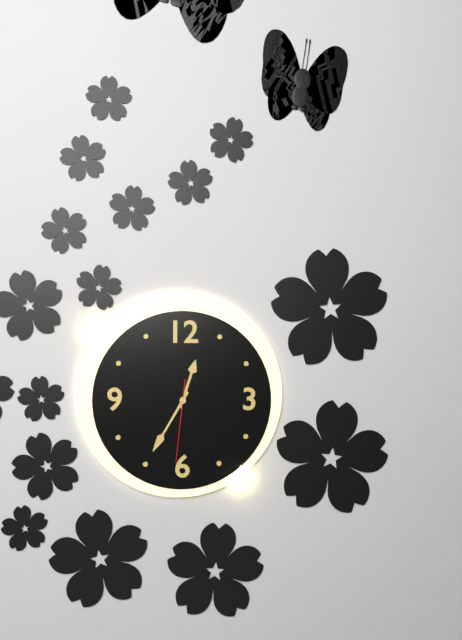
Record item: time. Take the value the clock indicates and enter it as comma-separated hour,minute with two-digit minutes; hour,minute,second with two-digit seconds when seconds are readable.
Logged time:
12,35,31
